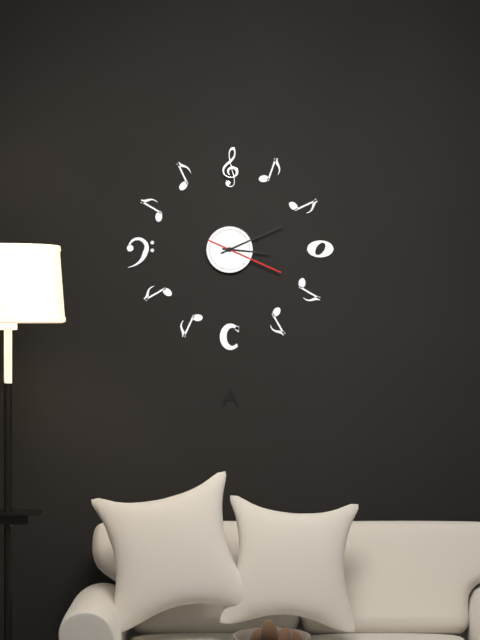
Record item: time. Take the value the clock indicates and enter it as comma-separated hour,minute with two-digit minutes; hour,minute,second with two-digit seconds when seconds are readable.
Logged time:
3,11,19
